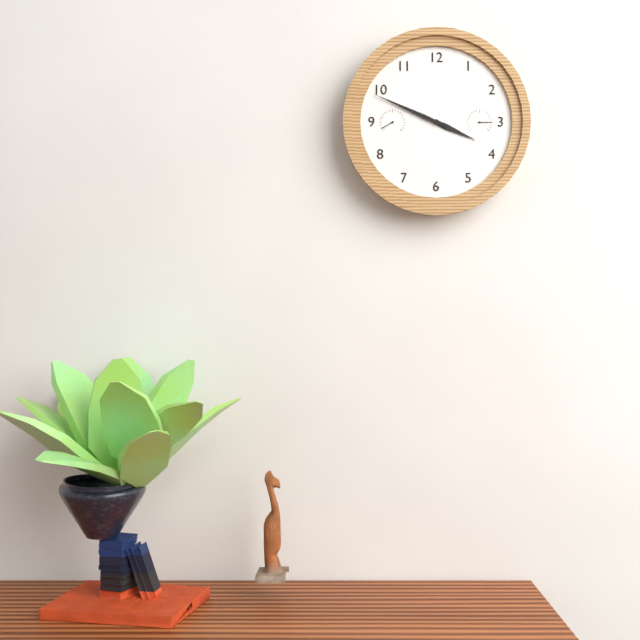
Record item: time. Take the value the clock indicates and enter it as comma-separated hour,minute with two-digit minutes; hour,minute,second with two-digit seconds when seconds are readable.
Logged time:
3,49
